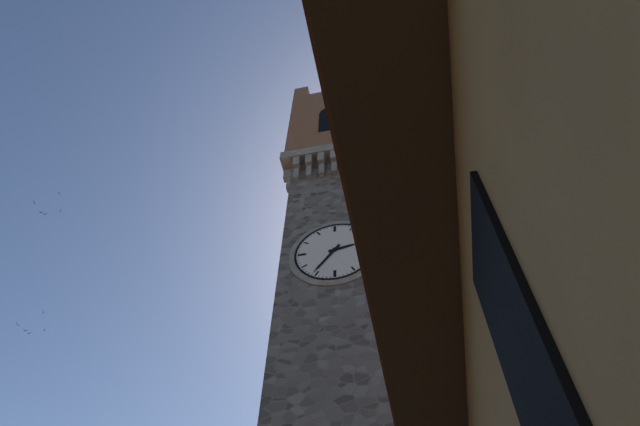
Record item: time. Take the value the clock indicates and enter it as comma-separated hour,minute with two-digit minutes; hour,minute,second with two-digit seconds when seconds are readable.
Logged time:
2,36
